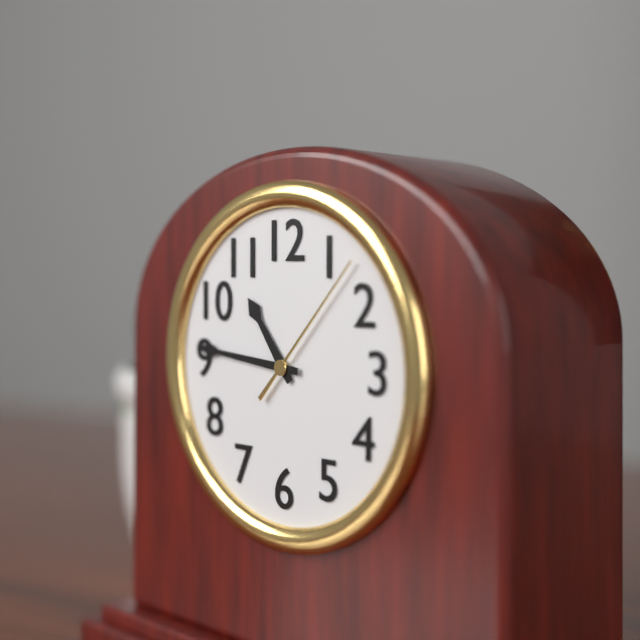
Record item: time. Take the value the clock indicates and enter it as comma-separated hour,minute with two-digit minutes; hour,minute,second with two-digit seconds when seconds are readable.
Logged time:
10,46,07
